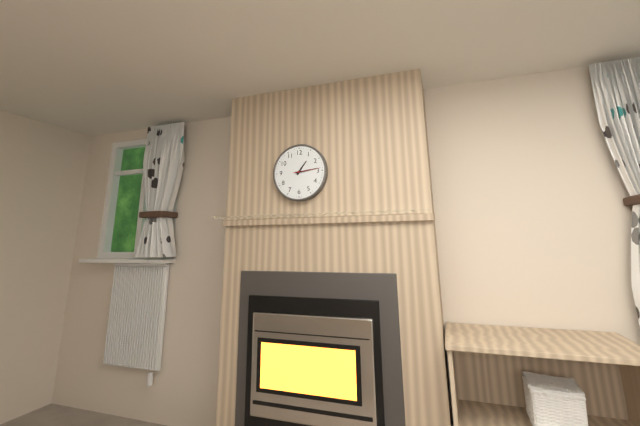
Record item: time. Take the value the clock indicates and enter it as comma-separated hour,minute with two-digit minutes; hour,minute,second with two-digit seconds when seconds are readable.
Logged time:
1,14
